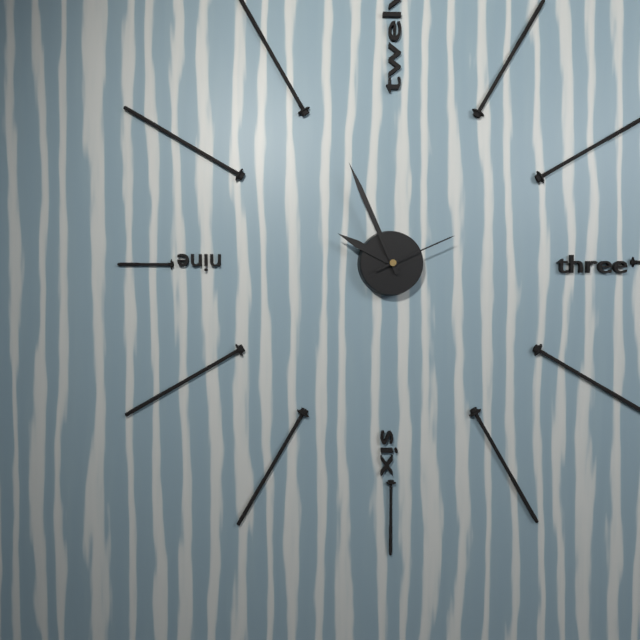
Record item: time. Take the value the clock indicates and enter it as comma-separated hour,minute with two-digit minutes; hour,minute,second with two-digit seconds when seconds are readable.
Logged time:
9,56,11
